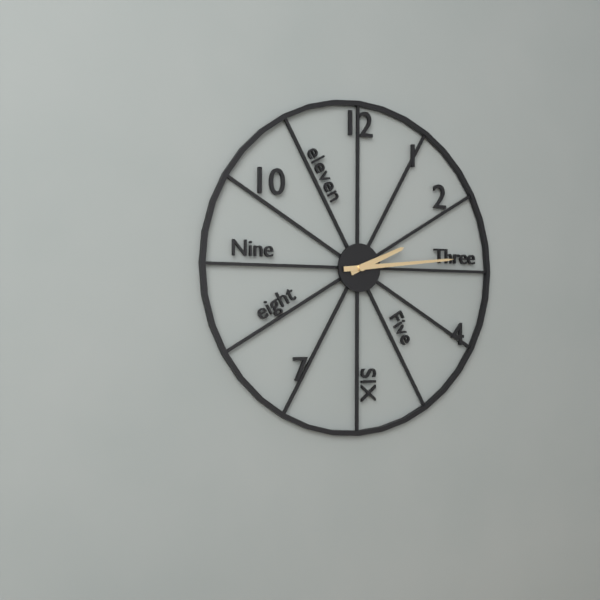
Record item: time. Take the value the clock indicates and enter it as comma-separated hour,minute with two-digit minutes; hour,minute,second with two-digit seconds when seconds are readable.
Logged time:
2,14
